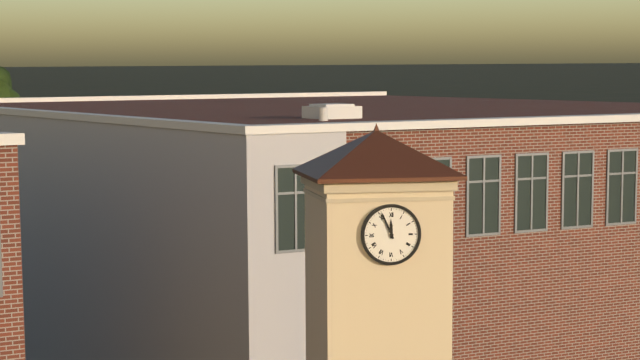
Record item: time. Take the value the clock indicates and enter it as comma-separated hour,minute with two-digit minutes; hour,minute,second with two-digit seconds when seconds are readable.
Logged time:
11,56
